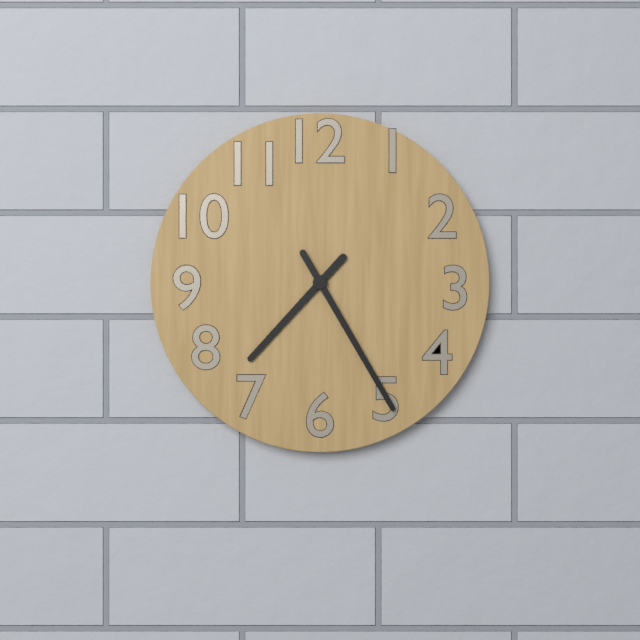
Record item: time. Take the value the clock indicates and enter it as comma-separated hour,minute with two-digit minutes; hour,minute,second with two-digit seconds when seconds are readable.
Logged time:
7,25
